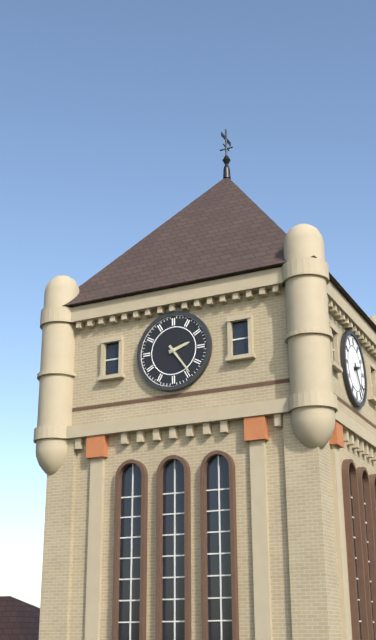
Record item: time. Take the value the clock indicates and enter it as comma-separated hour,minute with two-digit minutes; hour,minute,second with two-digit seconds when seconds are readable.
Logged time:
2,24
